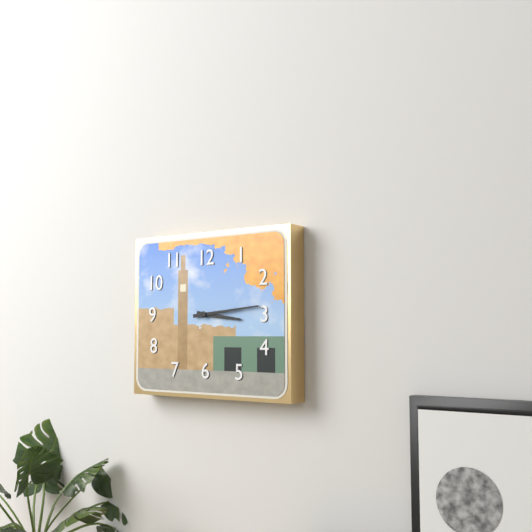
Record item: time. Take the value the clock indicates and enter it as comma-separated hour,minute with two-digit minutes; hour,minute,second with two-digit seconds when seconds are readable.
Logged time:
3,14
